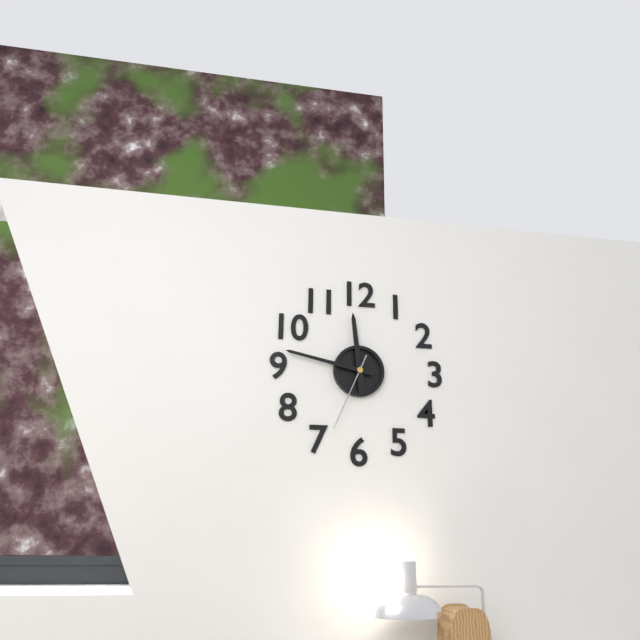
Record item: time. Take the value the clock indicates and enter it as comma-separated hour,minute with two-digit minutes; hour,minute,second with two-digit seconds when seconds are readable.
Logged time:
11,47,34
